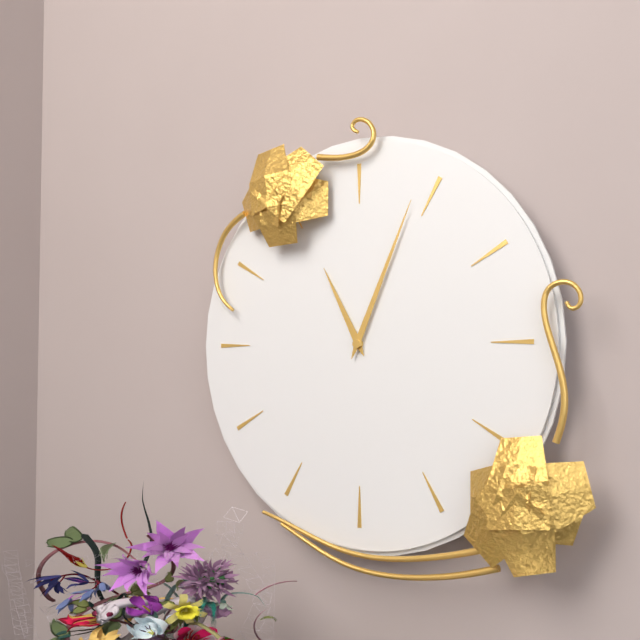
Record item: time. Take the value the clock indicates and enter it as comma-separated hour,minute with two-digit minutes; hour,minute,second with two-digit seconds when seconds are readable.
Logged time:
11,04
